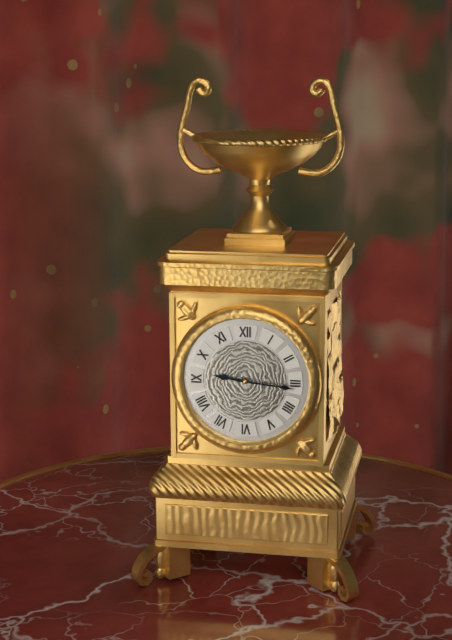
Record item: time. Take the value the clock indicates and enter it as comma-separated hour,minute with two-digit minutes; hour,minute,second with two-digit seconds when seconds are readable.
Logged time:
9,16
